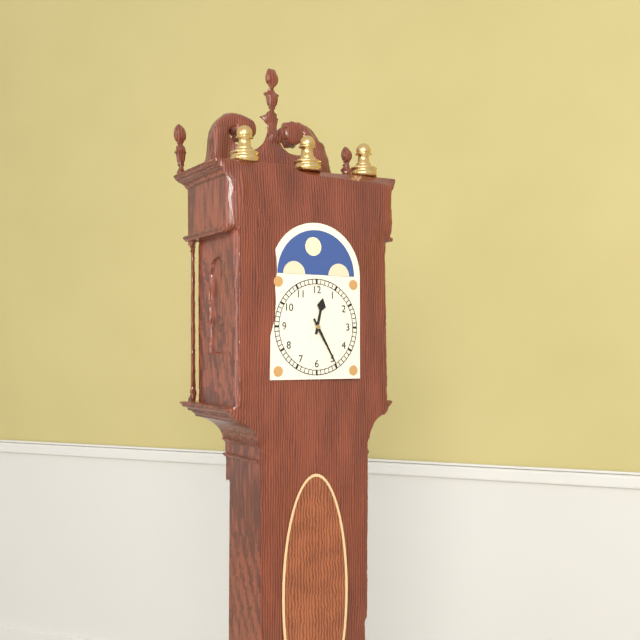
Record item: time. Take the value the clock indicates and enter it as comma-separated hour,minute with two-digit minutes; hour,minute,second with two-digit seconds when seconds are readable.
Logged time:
12,25
